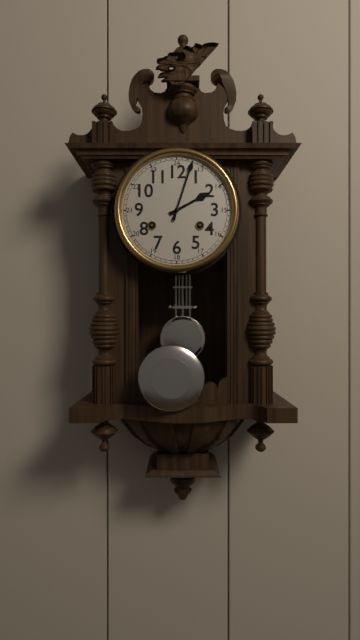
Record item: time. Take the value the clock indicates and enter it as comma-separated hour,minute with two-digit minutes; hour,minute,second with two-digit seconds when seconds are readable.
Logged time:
2,03
